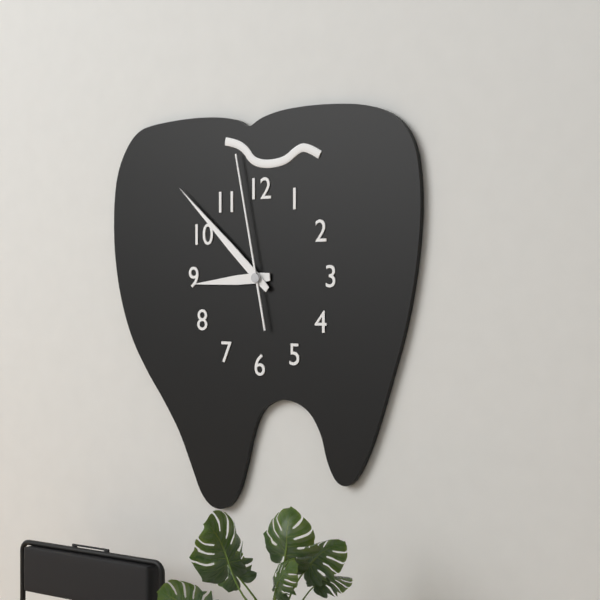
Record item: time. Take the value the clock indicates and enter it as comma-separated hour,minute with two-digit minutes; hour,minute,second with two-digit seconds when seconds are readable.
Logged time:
8,52,58
